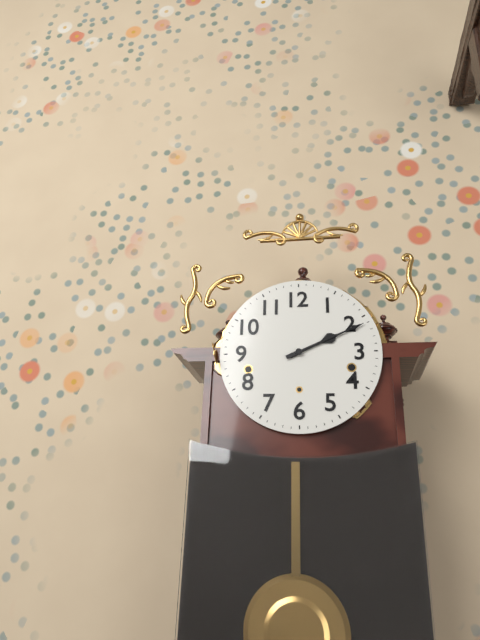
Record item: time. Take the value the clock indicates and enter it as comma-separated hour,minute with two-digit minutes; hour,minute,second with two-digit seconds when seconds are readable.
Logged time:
2,11
